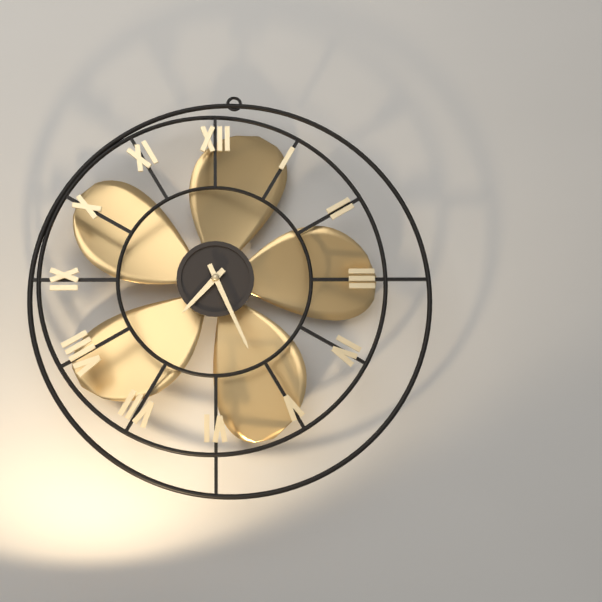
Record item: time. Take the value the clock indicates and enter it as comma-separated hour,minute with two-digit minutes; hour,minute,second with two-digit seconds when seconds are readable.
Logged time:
7,26
